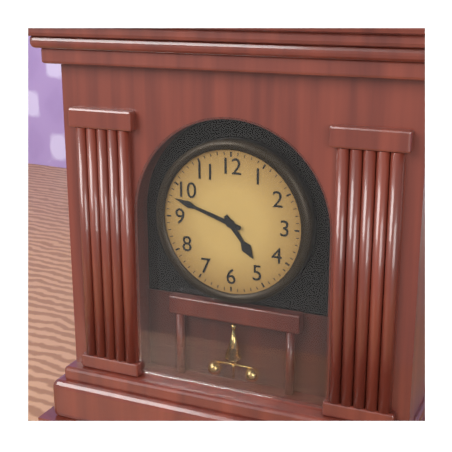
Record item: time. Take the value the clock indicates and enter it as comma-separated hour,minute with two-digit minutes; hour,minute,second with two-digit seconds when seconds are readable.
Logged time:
4,48
